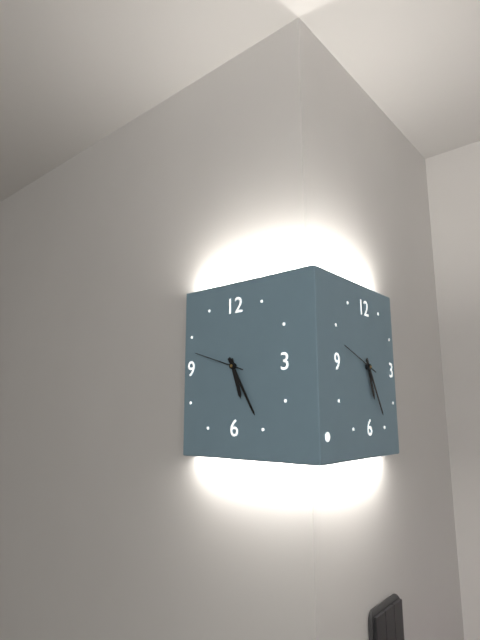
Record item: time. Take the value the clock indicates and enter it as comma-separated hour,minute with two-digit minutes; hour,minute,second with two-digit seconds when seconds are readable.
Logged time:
5,25,48
